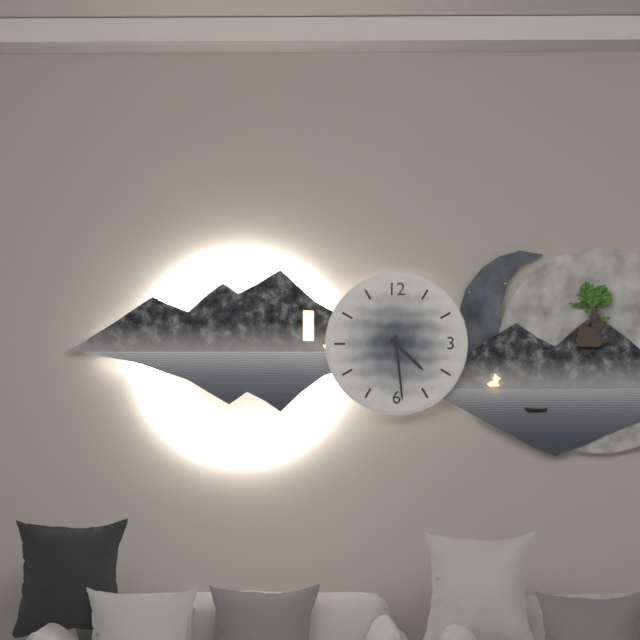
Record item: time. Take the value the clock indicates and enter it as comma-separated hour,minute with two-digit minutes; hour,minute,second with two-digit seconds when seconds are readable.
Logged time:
4,29
